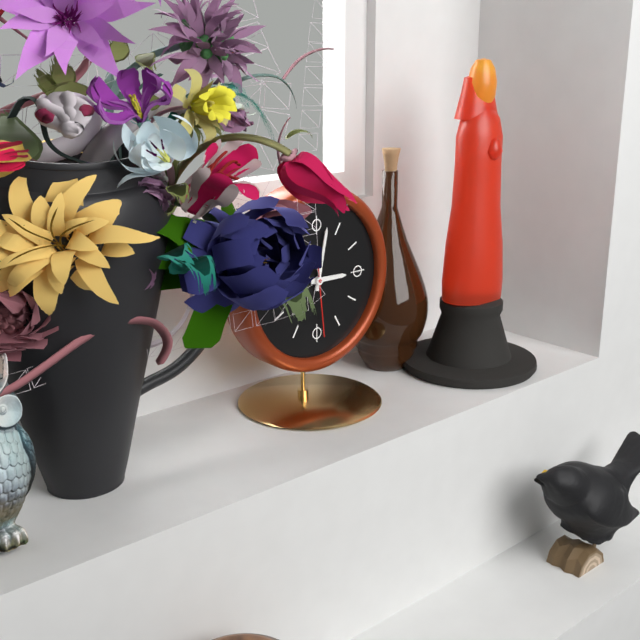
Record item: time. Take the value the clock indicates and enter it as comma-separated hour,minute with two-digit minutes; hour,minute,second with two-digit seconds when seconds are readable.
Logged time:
3,02,29
